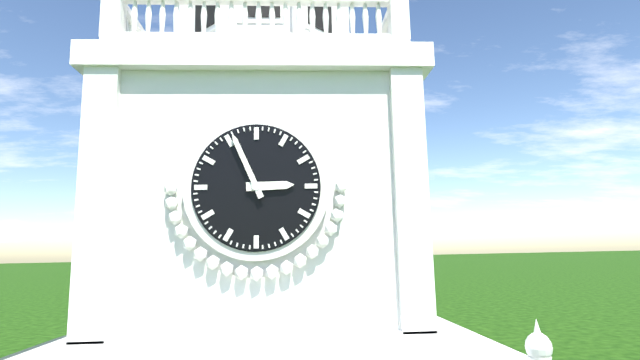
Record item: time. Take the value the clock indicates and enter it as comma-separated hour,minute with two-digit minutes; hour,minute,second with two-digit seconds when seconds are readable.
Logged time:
2,56
